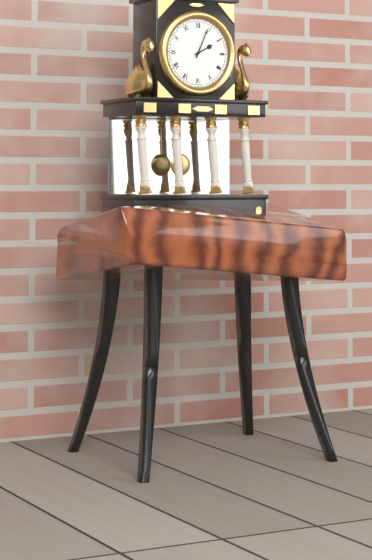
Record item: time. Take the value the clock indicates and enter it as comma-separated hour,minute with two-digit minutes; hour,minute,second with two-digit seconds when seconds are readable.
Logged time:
2,04
